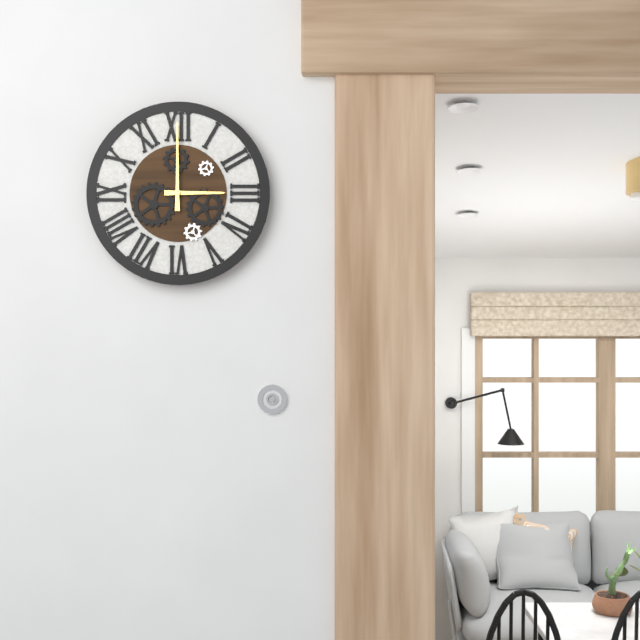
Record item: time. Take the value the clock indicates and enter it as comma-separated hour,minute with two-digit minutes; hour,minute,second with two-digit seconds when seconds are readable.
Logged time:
3,00
